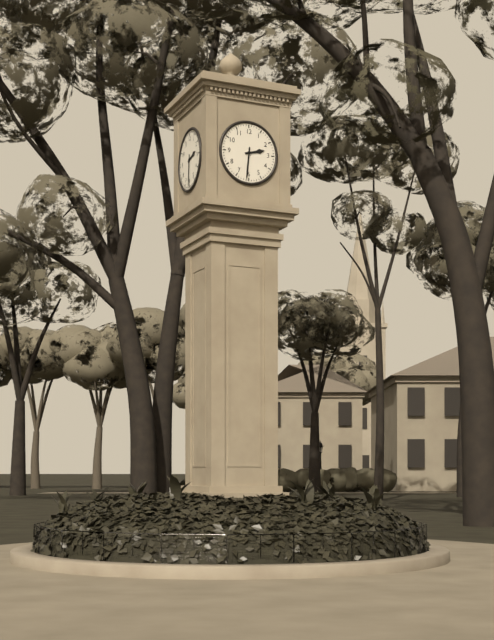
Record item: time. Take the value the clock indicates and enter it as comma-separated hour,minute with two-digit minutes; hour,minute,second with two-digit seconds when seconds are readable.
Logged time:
2,31
